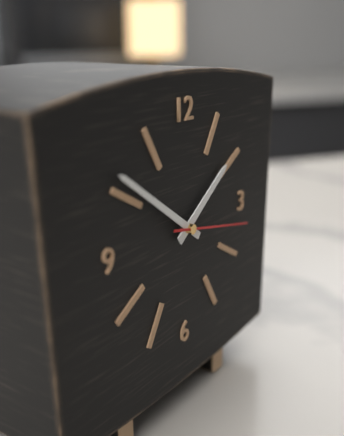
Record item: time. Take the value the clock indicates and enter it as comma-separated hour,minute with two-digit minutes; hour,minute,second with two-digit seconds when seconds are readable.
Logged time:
1,51,17
